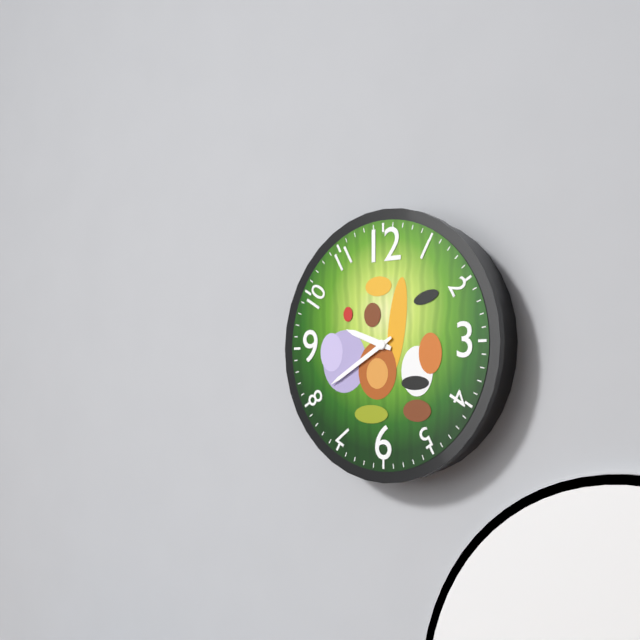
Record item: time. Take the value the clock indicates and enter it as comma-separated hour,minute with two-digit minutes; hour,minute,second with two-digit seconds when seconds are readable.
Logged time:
9,40
